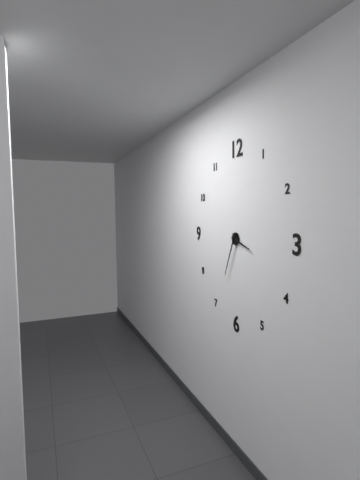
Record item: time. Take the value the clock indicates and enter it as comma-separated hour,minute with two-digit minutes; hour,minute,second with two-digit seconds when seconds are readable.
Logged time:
3,34
